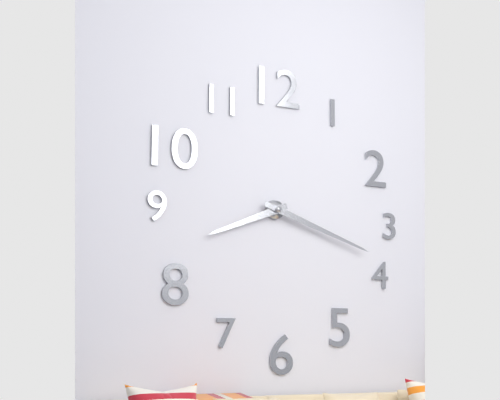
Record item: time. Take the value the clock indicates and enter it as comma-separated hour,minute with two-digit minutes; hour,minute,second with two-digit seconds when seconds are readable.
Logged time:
8,18
